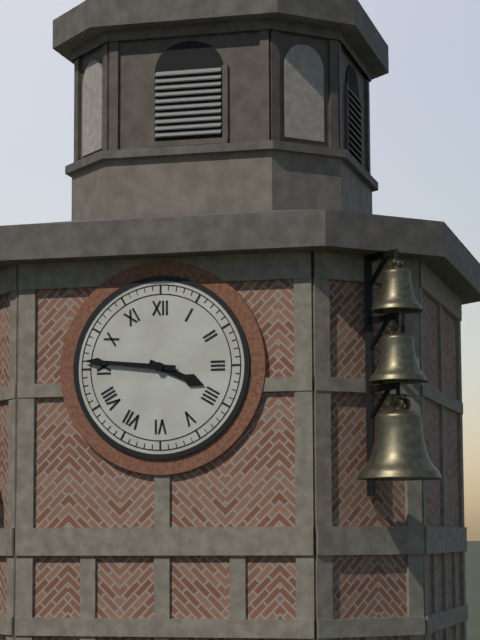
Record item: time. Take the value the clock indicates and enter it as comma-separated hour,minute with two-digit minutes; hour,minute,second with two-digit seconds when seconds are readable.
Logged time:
3,46
